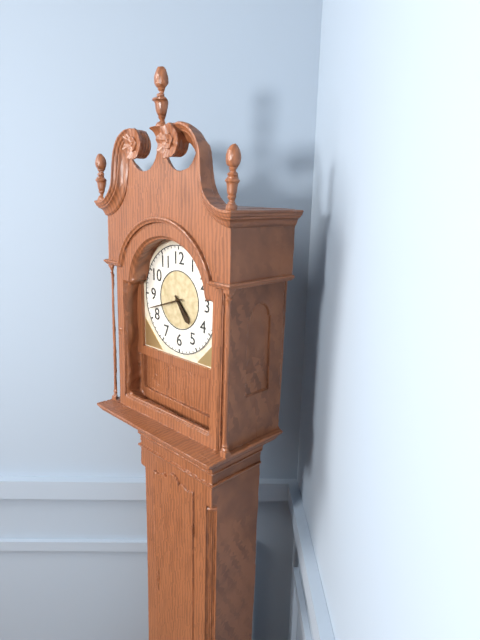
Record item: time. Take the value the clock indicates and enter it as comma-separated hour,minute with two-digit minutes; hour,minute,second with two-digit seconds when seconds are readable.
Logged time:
4,42
